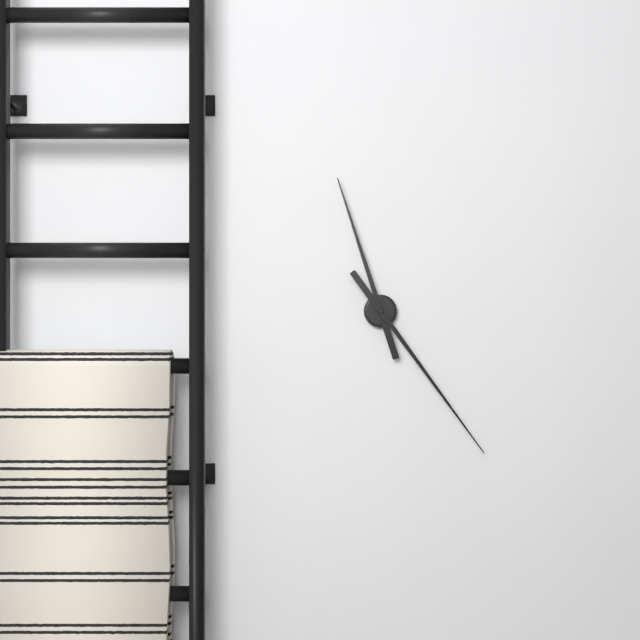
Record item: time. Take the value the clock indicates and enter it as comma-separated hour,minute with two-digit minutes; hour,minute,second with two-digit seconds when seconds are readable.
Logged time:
11,24
